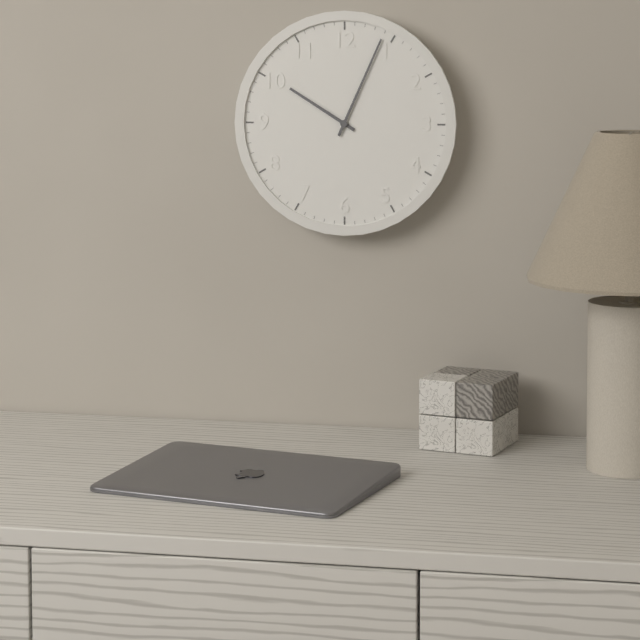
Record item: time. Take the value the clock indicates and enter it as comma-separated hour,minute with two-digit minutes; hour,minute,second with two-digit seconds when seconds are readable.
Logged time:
10,04
